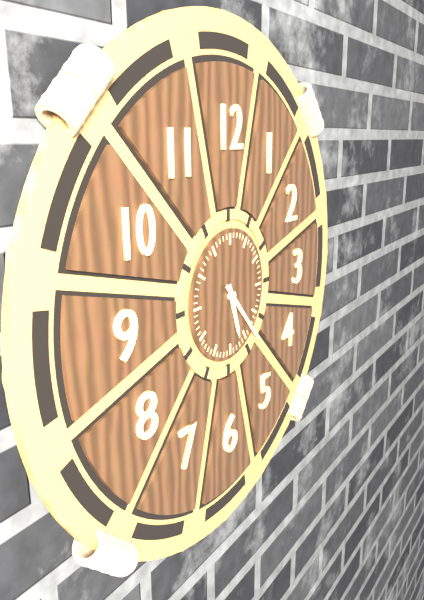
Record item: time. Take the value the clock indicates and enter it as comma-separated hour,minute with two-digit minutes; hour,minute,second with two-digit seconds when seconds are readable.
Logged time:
5,23
